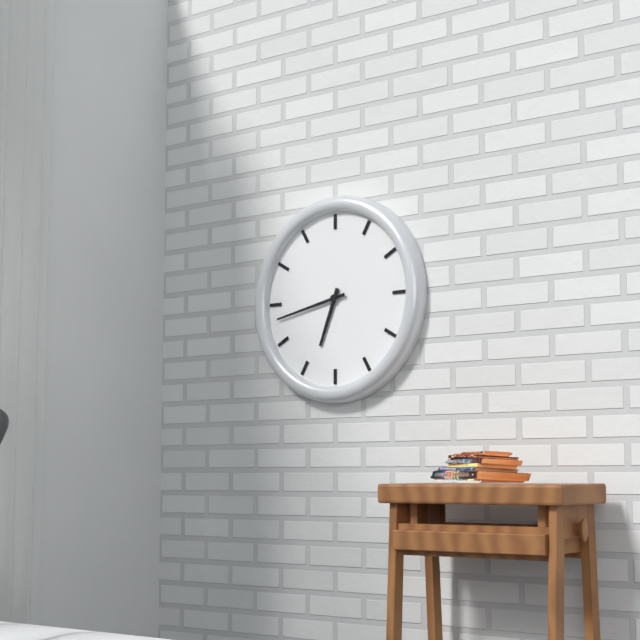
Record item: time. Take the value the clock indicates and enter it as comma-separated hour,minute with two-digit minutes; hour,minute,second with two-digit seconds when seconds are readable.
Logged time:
6,43
